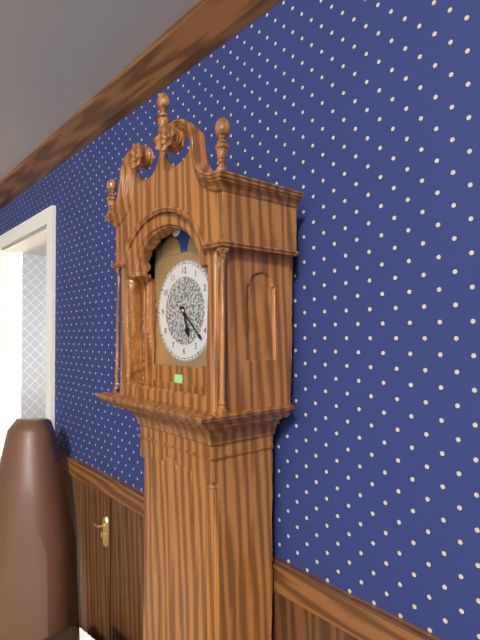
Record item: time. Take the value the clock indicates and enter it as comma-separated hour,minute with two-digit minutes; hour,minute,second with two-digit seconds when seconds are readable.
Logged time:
5,22
